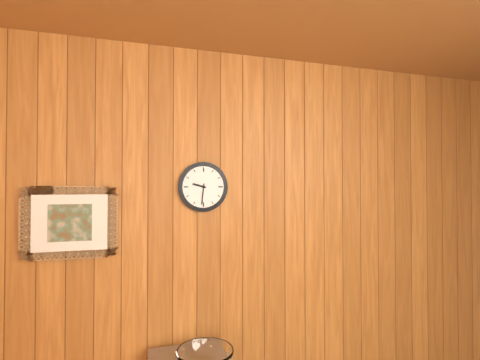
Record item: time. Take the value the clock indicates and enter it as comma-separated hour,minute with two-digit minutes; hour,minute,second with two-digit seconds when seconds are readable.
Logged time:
9,31
